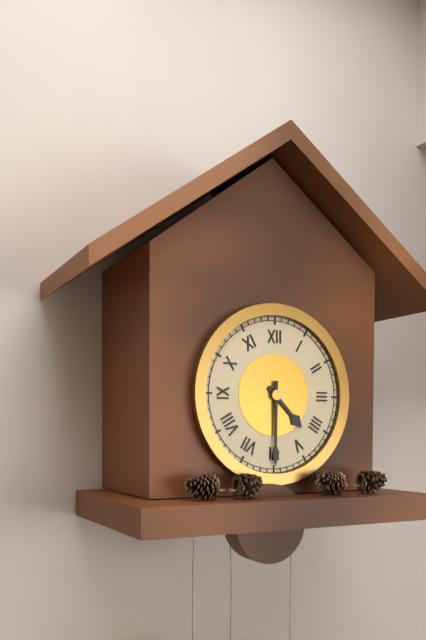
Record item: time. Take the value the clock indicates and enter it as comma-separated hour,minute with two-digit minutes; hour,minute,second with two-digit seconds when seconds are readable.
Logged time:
4,30
